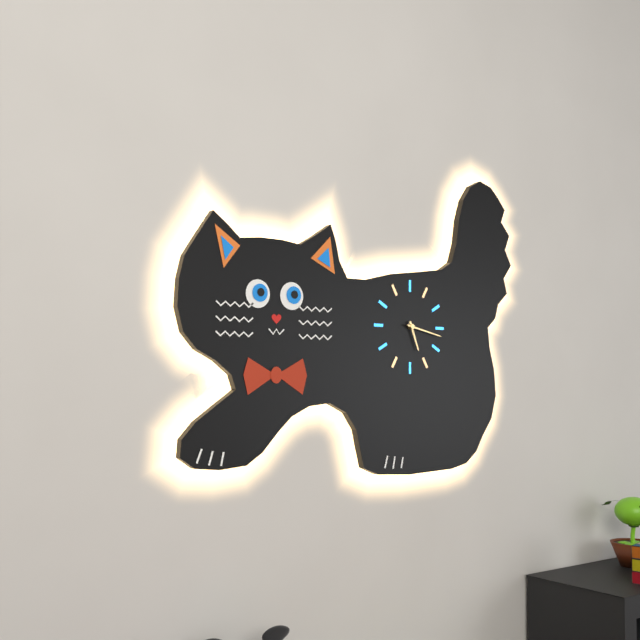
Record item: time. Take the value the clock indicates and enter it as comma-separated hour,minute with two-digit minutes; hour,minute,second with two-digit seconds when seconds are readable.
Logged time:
5,17
